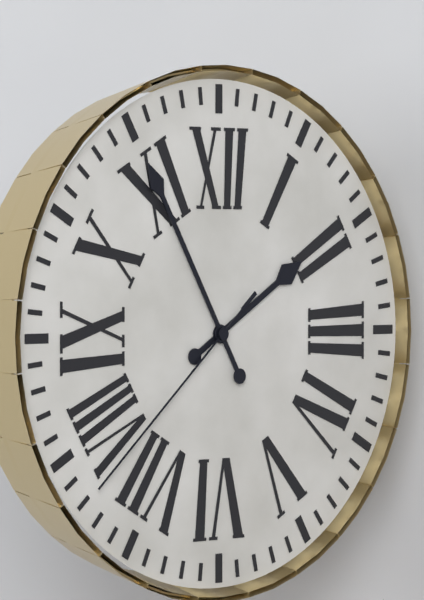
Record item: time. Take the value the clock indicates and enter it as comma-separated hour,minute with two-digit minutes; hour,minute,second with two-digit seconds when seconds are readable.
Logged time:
1,55,38
